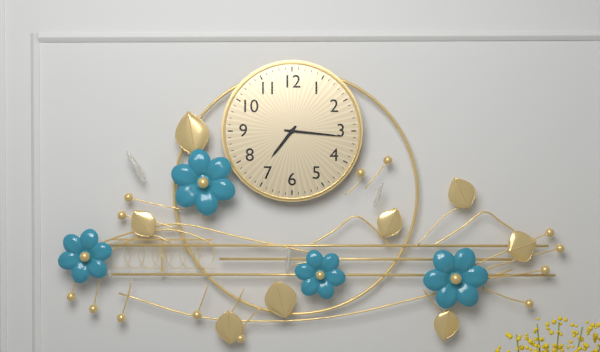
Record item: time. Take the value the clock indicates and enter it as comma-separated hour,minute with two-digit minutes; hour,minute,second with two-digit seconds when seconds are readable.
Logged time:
7,16
